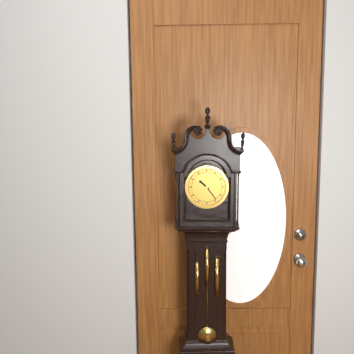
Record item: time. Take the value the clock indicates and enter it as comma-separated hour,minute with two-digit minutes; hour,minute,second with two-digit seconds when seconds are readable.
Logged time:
10,24
